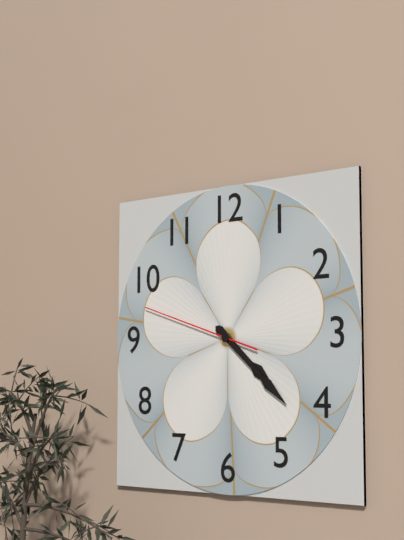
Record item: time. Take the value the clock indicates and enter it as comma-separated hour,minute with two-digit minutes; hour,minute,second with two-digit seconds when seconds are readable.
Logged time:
4,22,48
